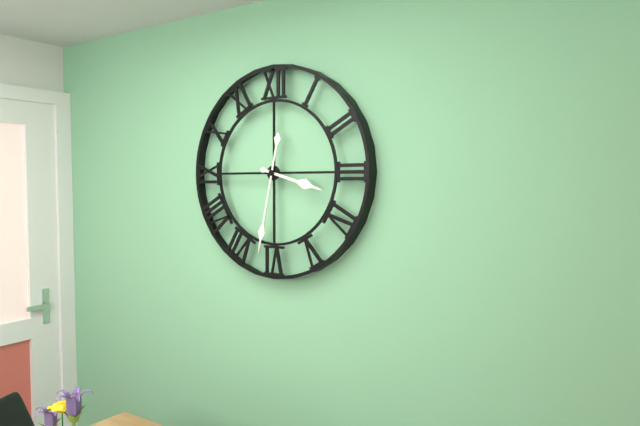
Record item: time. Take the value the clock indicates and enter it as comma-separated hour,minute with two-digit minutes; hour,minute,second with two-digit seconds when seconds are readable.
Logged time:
3,32
